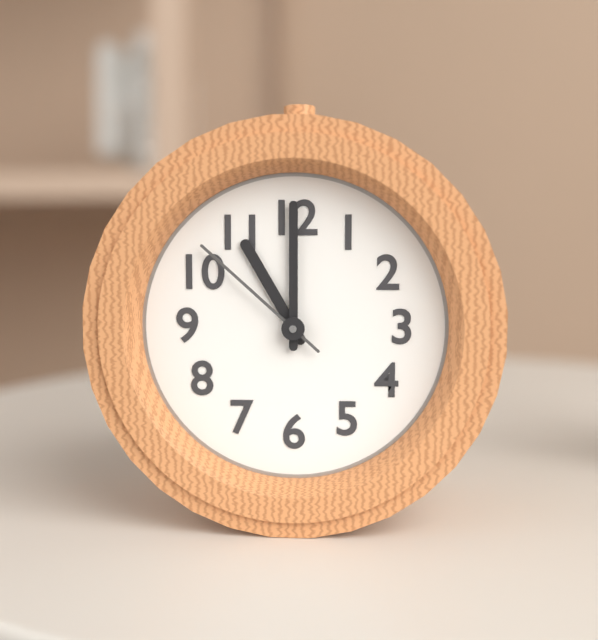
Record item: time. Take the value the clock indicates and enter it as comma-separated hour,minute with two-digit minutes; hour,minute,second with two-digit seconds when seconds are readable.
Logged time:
11,00,52
